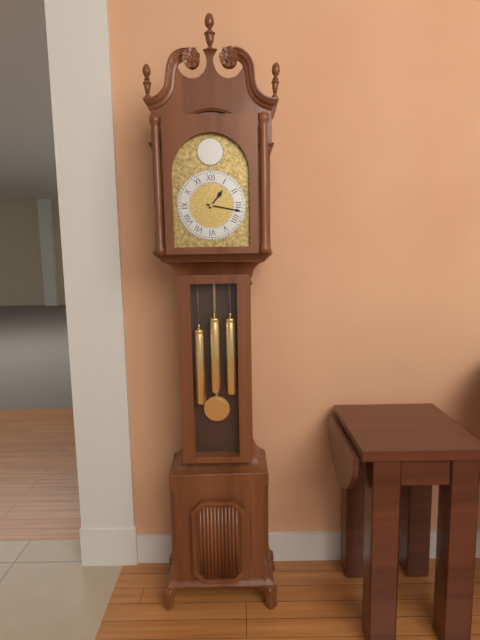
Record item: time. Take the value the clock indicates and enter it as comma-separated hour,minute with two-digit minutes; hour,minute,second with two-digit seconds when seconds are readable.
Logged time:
1,17
